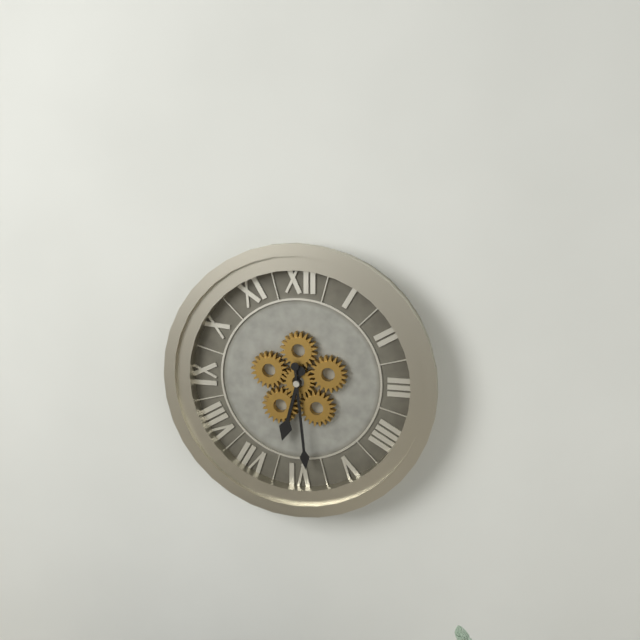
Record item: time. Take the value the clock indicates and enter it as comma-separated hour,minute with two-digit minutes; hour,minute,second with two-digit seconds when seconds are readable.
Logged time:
6,29
